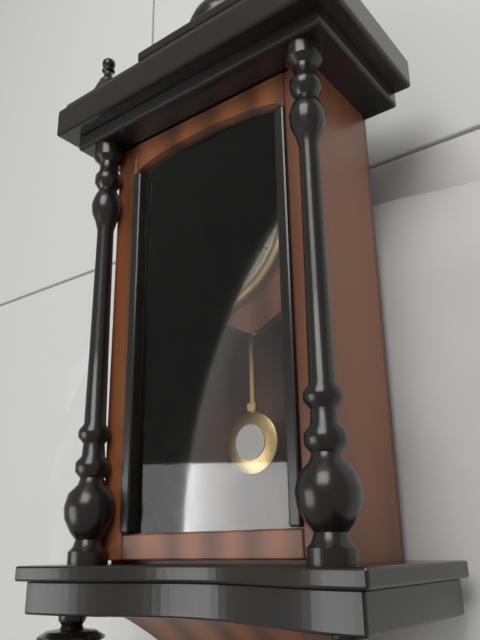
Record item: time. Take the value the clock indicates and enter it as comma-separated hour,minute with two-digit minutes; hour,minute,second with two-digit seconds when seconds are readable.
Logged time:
10,07
